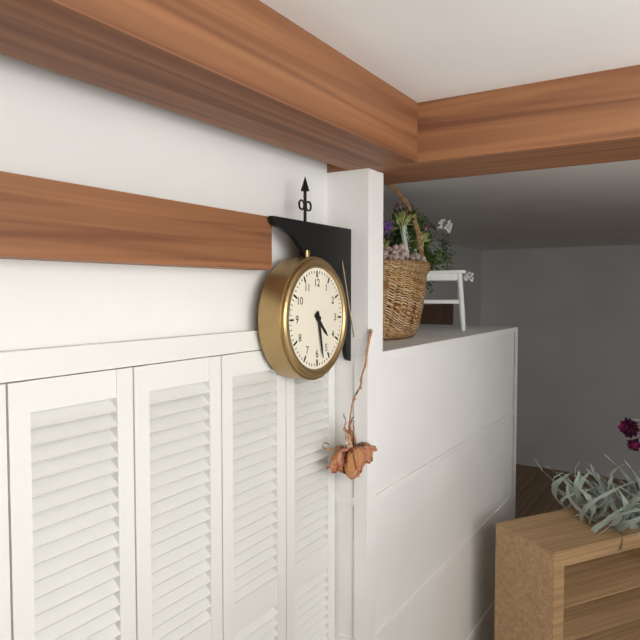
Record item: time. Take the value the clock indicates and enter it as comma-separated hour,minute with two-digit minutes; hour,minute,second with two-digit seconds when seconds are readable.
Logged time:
4,28
